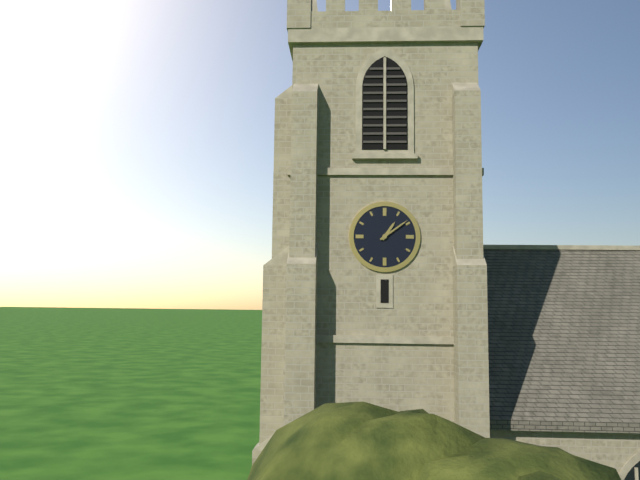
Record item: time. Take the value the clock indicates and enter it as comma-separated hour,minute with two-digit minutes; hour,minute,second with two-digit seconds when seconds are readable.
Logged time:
1,09
